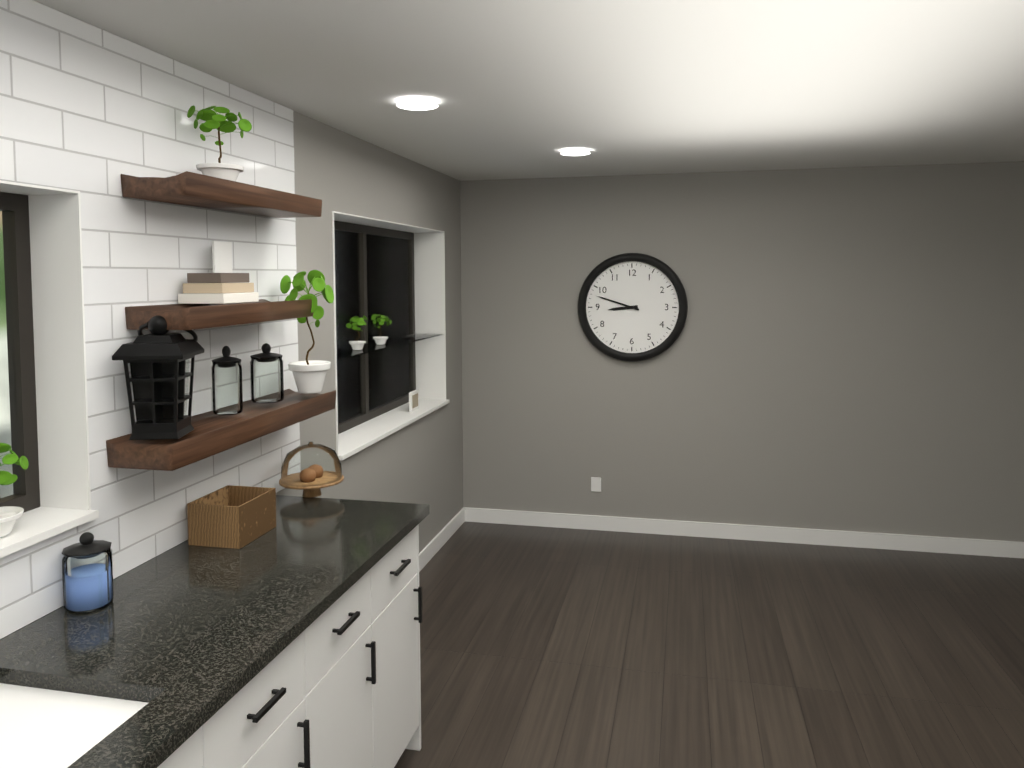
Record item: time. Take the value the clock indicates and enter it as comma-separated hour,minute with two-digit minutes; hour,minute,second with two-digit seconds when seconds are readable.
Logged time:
8,48
